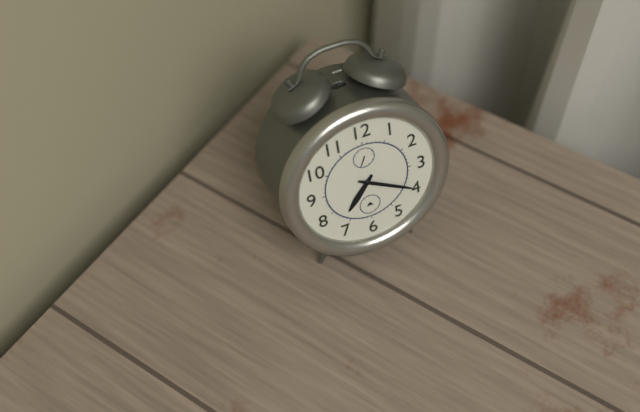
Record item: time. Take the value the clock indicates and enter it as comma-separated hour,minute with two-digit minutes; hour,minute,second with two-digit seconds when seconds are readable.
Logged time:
7,20
